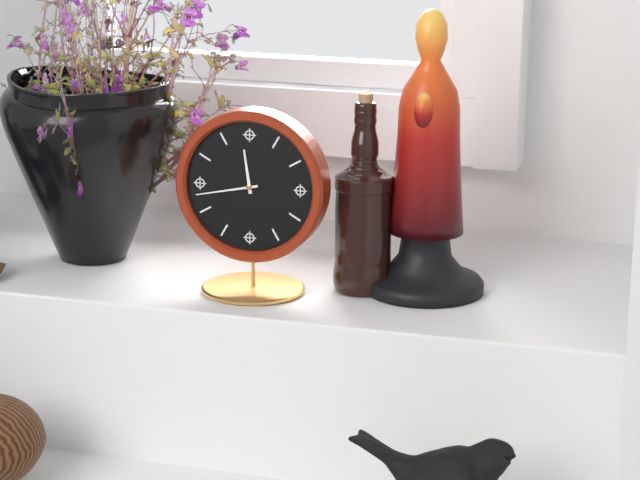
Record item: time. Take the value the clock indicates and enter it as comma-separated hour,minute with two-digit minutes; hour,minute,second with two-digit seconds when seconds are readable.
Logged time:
11,43
